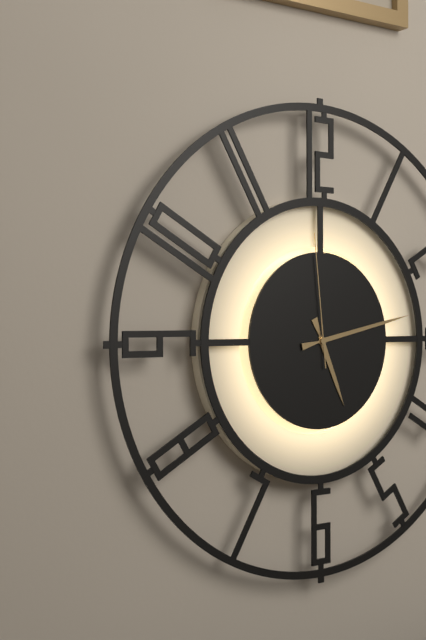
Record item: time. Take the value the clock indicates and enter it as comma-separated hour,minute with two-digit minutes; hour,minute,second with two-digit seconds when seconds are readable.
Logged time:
5,13,59
